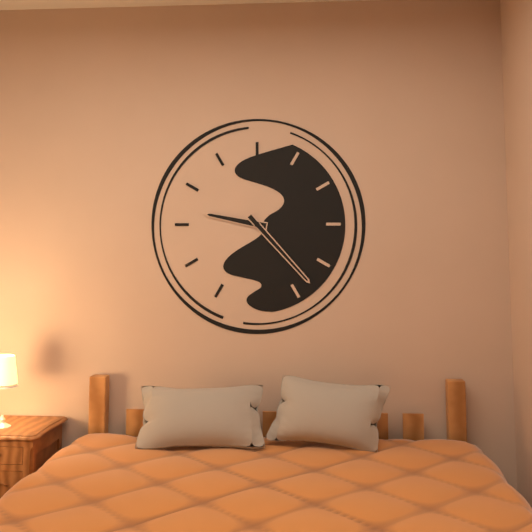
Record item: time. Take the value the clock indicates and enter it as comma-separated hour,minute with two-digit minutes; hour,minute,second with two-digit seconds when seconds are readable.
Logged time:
9,23
